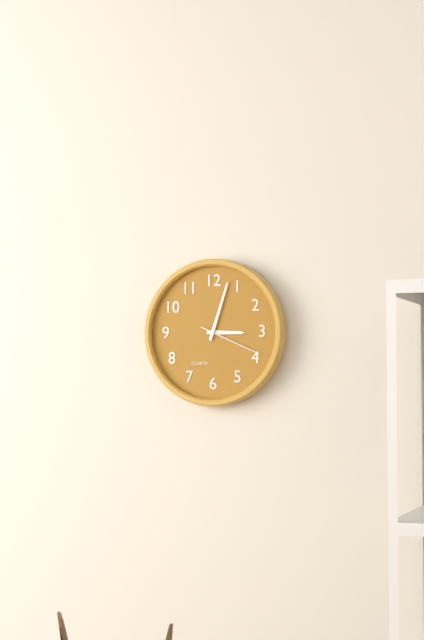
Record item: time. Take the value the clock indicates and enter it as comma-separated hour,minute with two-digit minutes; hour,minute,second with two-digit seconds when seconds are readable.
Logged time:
3,03,19
